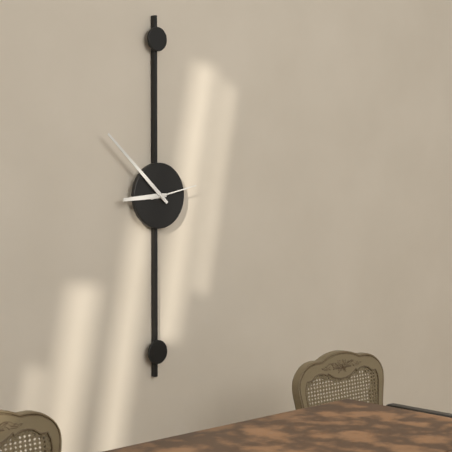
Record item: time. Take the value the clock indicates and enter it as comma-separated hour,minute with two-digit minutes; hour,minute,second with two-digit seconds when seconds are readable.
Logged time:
8,52
